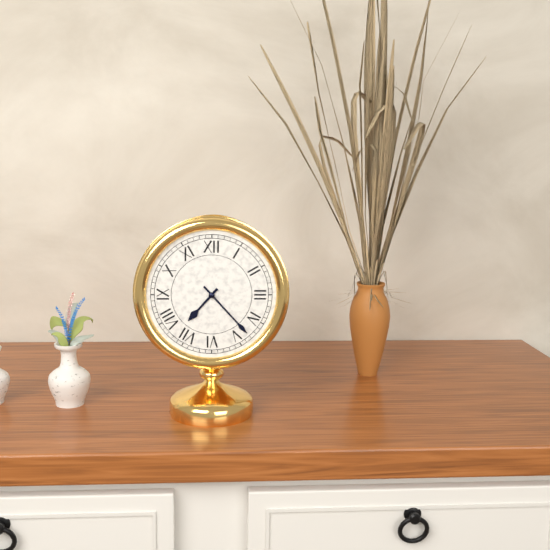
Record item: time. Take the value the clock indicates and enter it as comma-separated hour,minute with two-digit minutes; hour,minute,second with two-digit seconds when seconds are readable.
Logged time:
7,23
